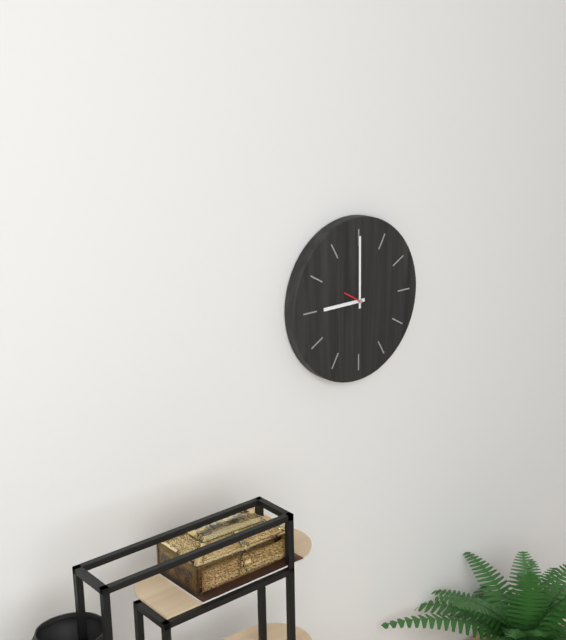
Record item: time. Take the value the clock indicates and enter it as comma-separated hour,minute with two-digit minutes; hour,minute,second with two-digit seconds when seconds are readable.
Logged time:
9,00
